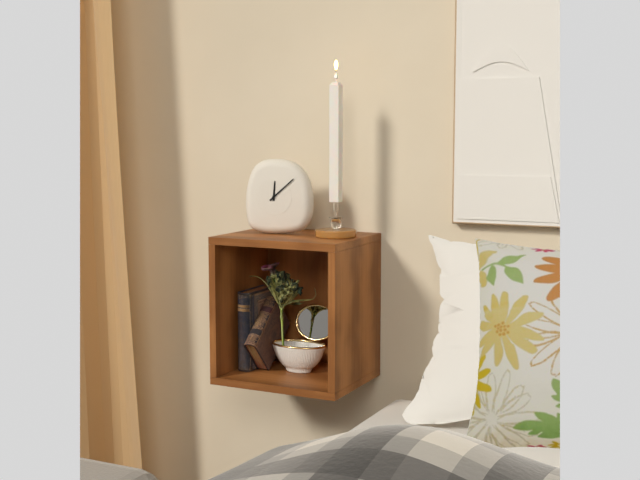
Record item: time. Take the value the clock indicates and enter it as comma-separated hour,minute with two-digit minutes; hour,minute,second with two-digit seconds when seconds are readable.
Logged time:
12,08
